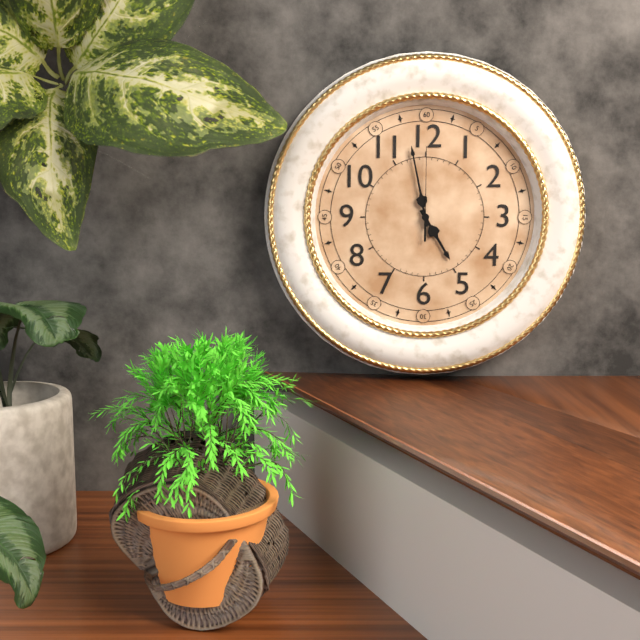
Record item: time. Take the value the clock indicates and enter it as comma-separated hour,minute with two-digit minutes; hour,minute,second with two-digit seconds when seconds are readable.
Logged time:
4,58,00
